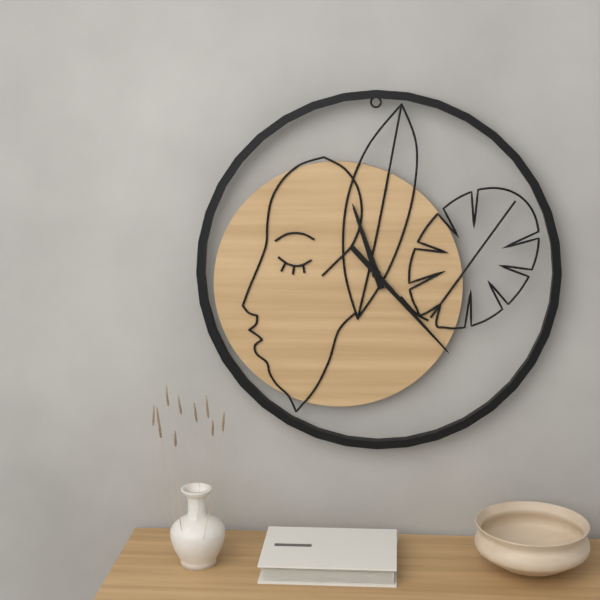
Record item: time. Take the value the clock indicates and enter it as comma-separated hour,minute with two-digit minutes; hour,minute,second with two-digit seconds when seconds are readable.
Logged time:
11,23
